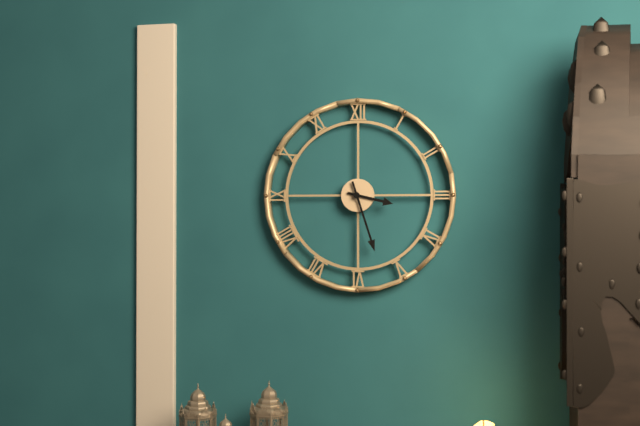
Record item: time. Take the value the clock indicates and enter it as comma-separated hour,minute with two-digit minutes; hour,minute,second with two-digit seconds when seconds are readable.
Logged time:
3,27
